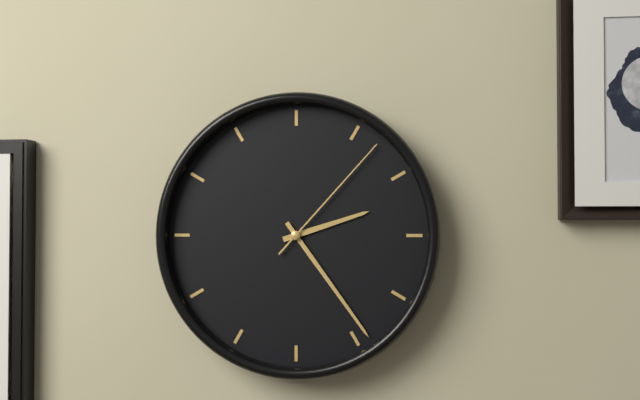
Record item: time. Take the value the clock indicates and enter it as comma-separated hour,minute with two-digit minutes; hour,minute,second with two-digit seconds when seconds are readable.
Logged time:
2,24,07
